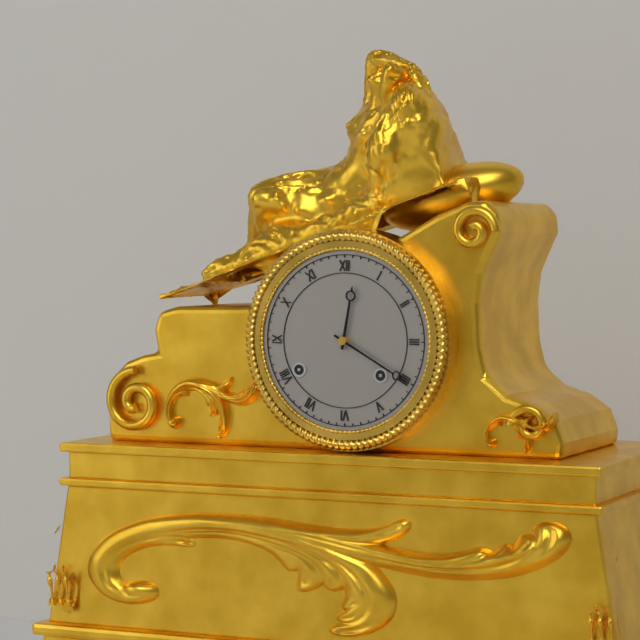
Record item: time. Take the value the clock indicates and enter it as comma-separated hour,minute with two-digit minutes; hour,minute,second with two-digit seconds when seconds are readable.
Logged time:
12,20
